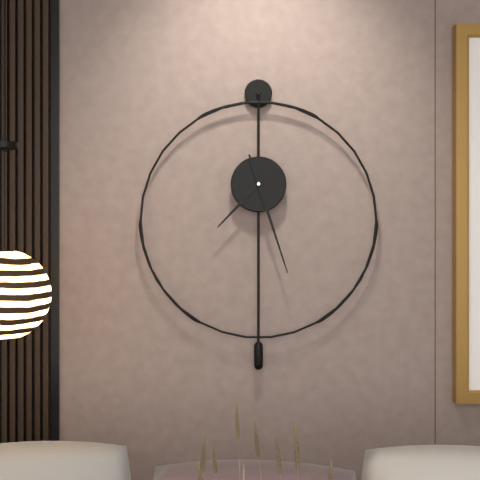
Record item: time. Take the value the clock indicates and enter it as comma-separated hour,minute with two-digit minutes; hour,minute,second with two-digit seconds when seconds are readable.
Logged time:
7,27
